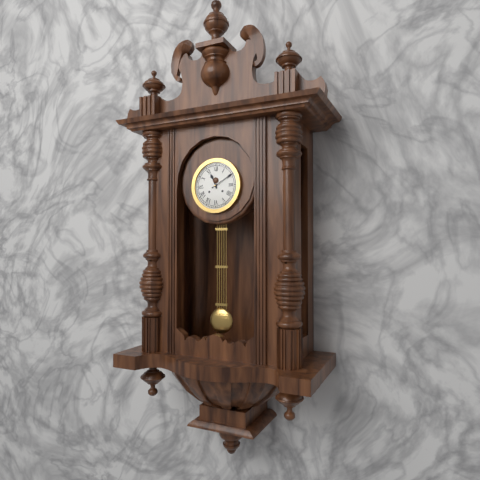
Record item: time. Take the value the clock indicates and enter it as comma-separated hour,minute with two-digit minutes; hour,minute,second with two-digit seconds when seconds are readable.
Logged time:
11,10
